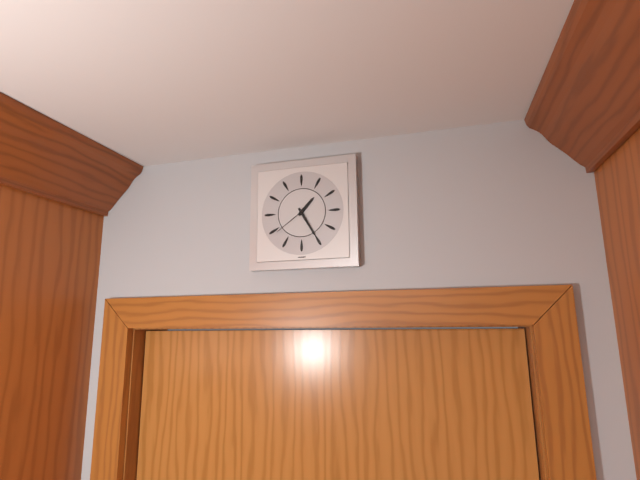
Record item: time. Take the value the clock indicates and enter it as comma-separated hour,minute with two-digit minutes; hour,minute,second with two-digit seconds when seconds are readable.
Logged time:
1,25
